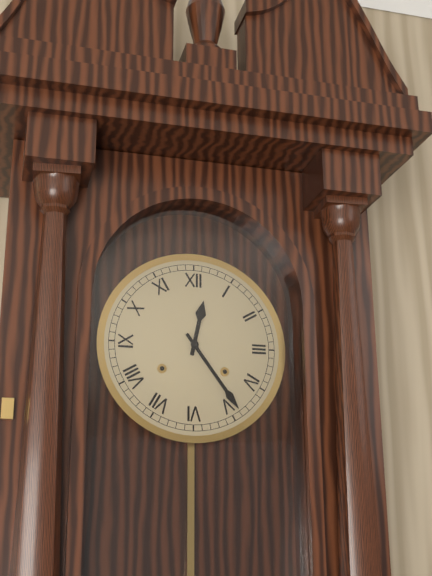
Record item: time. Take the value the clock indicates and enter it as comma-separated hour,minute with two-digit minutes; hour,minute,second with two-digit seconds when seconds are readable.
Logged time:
12,24
